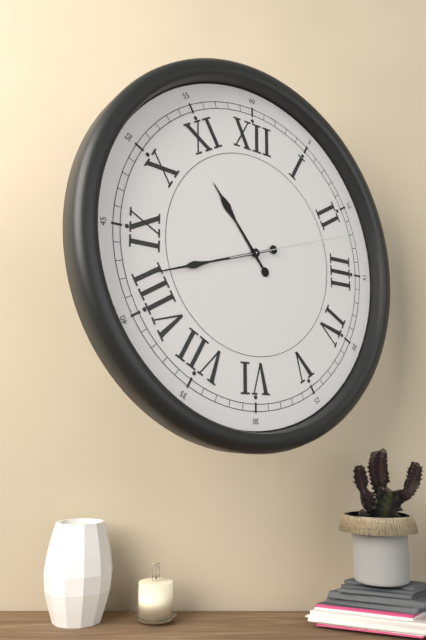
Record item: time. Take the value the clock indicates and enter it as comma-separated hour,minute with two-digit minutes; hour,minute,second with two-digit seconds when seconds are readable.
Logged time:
10,42,12
